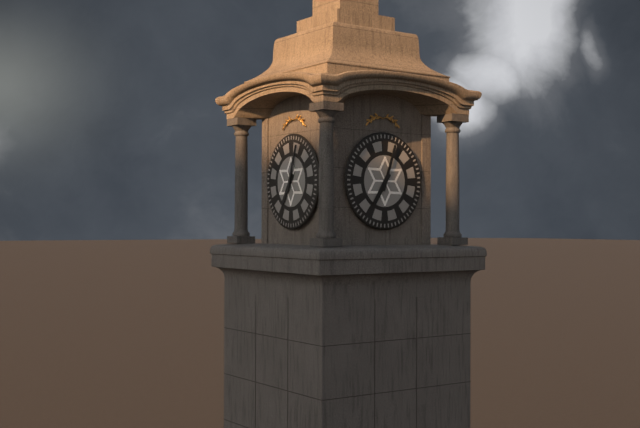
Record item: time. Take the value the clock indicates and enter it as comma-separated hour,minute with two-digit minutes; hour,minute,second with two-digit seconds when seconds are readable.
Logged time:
7,03
